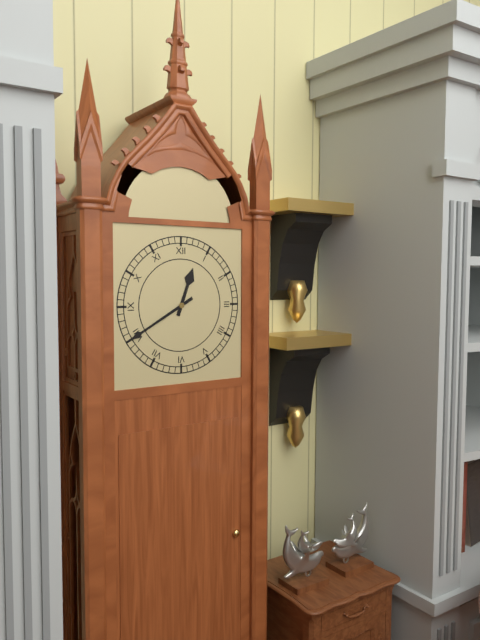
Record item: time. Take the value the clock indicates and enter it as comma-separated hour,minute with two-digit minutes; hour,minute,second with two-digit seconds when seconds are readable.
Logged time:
12,40
